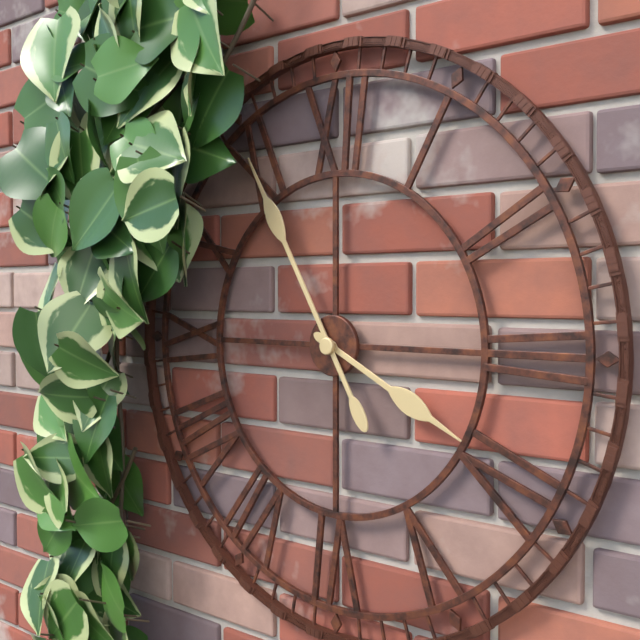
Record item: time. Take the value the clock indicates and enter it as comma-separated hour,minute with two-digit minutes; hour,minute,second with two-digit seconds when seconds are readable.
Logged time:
3,55
